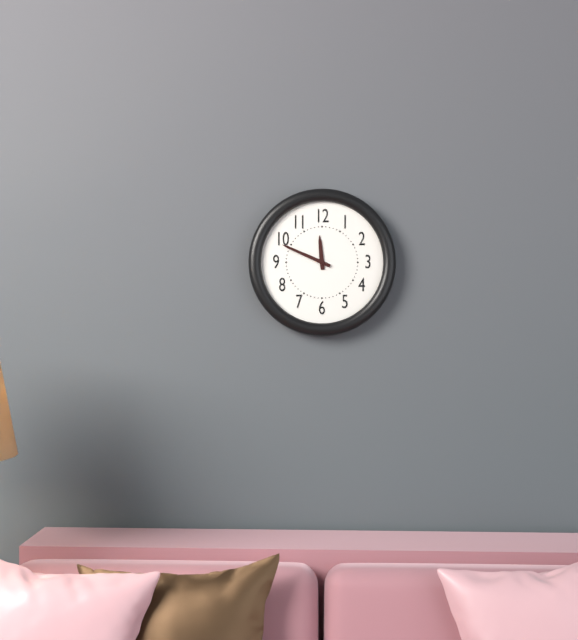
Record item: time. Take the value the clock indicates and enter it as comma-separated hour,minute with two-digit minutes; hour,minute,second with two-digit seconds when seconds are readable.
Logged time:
11,49
